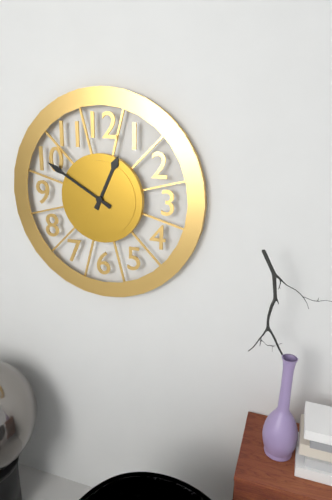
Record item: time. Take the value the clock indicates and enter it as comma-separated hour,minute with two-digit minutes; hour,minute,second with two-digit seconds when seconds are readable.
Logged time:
12,50
